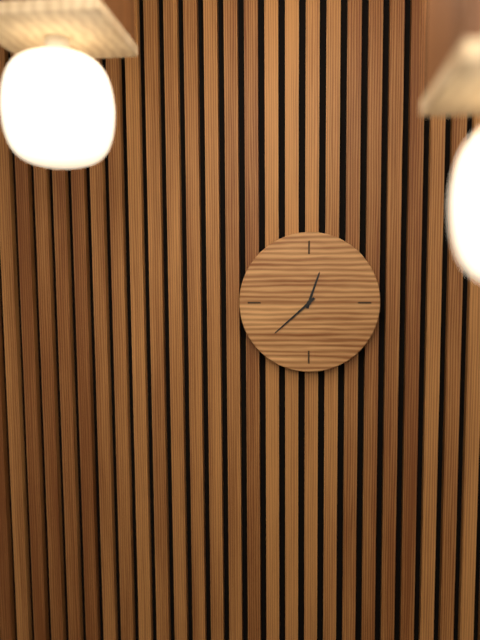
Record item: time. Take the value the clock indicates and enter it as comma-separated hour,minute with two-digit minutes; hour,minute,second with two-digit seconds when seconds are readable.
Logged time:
12,38
